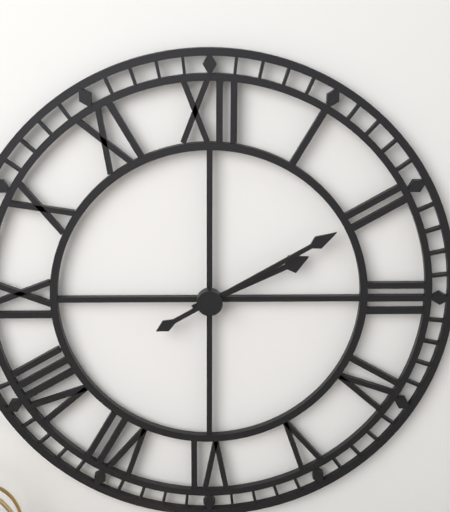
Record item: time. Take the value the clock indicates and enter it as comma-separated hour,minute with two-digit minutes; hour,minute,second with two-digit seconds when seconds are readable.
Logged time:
2,10
